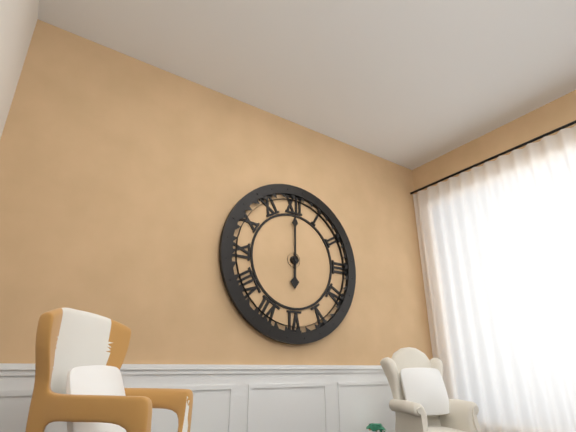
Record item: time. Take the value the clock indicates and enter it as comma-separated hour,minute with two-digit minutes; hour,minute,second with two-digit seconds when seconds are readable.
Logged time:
6,00
